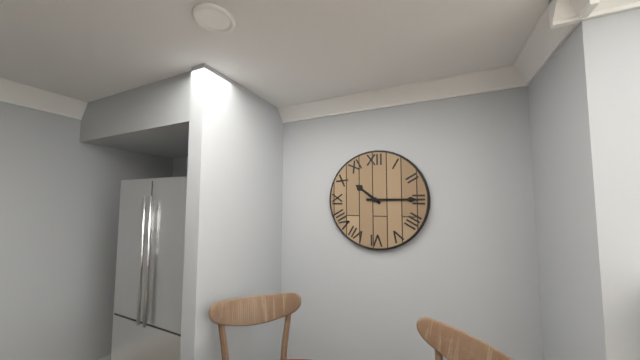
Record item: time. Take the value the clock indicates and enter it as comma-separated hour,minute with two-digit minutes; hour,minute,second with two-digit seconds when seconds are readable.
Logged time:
10,15
